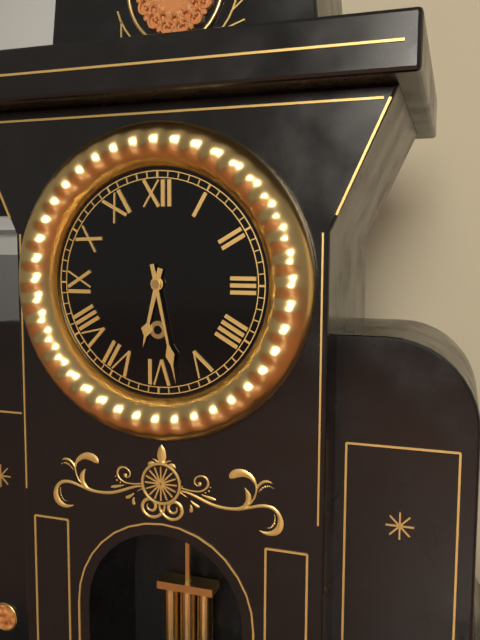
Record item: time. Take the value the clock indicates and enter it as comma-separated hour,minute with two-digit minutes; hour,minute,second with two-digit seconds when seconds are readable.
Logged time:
6,28
